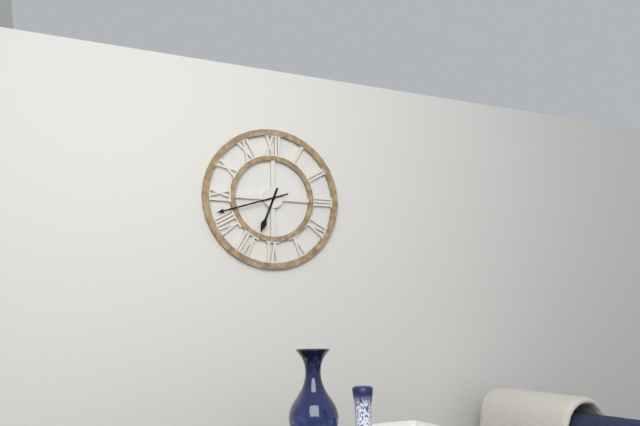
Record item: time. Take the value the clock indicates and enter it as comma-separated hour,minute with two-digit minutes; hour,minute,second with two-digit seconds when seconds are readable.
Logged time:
6,42
